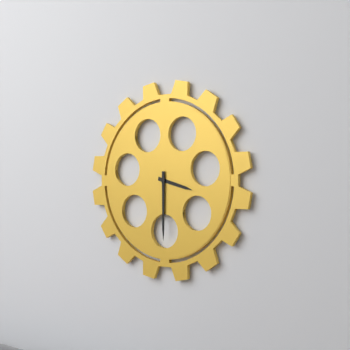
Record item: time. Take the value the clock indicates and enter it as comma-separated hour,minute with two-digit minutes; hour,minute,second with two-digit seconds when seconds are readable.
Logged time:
3,30
